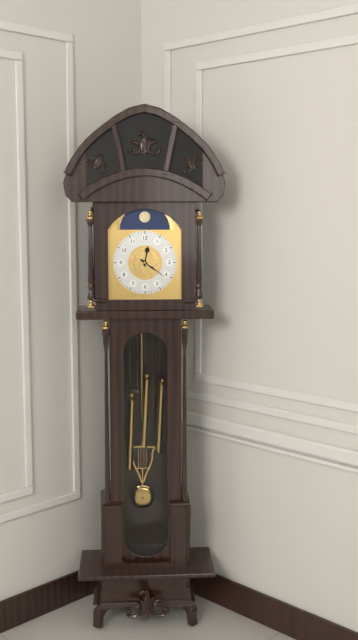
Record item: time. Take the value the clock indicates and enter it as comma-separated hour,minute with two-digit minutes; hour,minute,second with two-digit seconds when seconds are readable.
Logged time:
12,21
